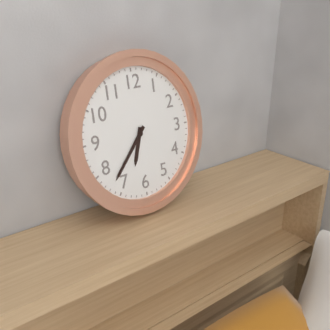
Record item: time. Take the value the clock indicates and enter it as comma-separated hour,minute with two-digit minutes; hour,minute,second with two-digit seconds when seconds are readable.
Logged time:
6,37
